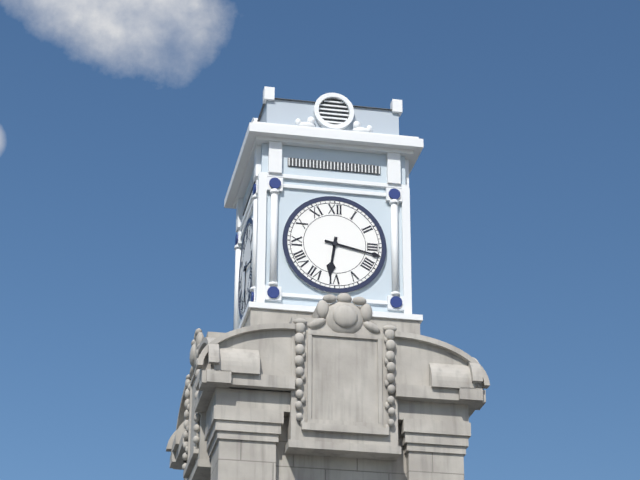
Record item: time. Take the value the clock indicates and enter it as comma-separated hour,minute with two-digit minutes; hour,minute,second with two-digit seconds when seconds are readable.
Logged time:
6,17
